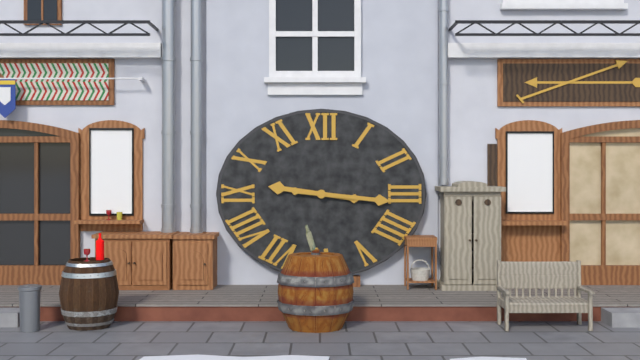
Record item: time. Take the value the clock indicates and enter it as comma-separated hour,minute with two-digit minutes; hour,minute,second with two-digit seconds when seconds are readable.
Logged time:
9,16
